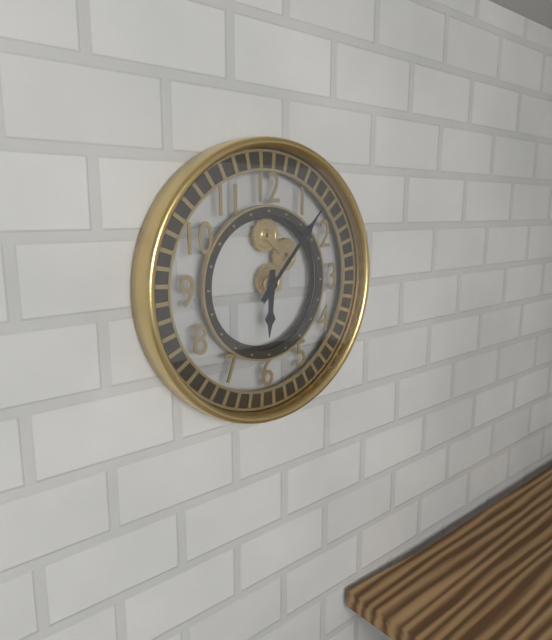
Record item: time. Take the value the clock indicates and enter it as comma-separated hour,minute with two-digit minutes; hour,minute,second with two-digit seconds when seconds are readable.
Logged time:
6,07
